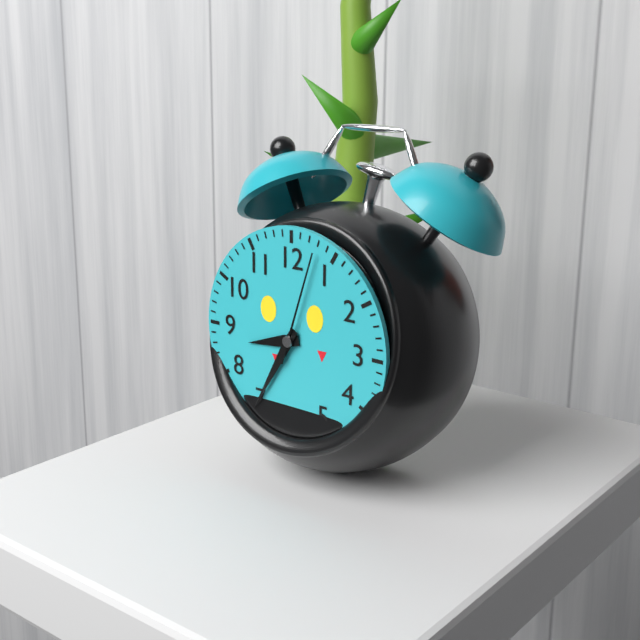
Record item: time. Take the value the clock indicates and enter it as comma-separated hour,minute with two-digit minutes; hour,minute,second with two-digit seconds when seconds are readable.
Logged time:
8,35,03
